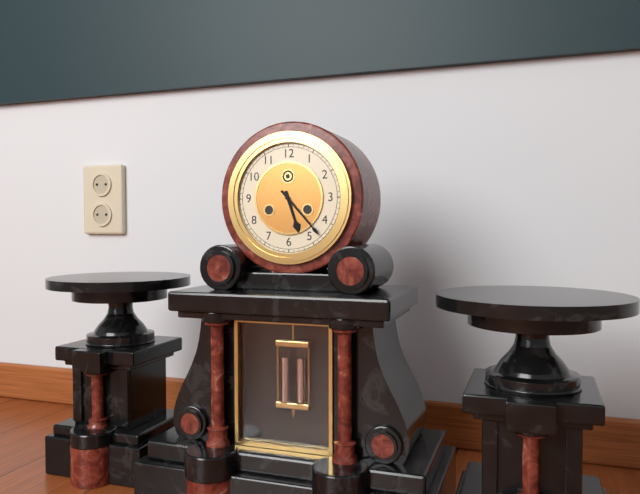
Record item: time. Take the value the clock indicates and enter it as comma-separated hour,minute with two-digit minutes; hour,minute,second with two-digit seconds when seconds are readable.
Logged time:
5,23
